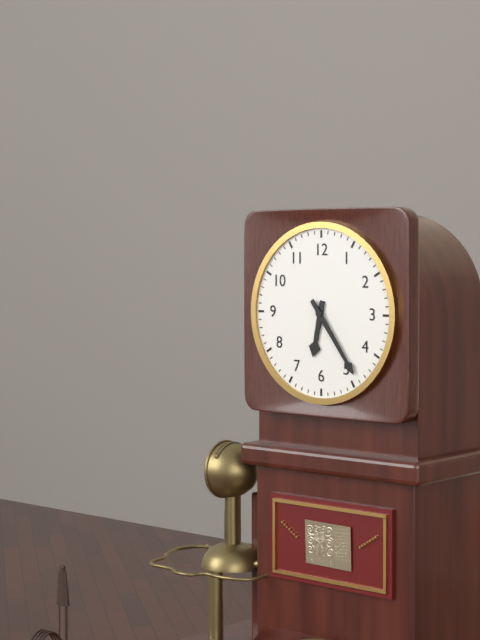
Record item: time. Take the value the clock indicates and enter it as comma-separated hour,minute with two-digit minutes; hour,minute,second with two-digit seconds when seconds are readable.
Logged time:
6,24
